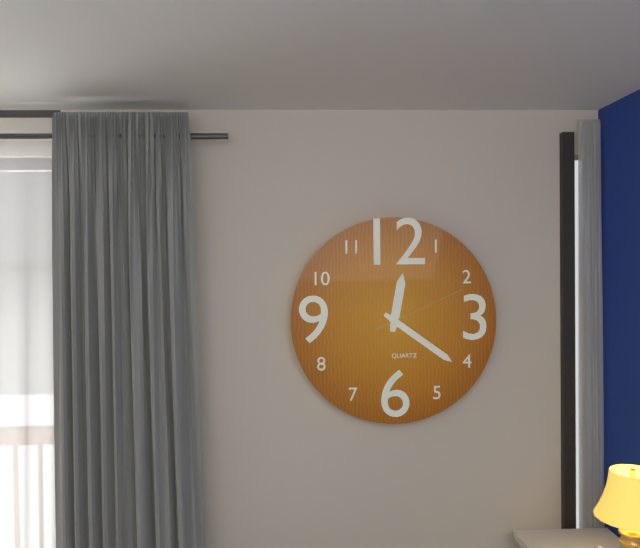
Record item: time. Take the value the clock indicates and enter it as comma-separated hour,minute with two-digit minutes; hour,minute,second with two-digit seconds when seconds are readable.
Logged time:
12,21,11
